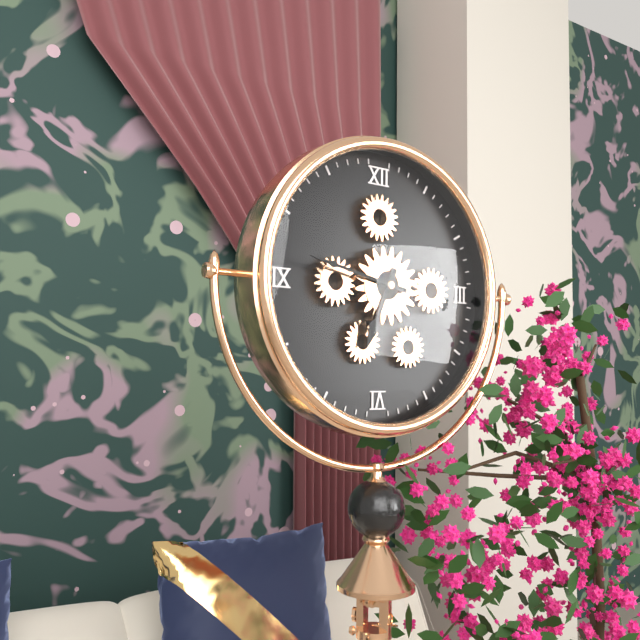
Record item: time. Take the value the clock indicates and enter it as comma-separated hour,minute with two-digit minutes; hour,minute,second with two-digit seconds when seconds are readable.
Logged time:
6,47
